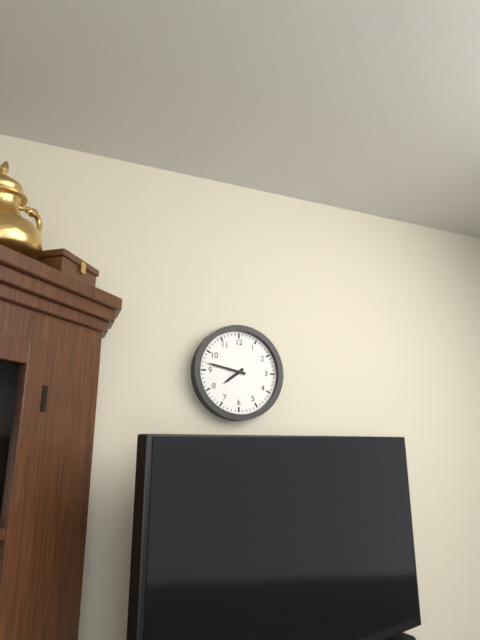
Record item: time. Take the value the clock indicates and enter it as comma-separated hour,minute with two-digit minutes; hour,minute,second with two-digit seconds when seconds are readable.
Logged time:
7,47
